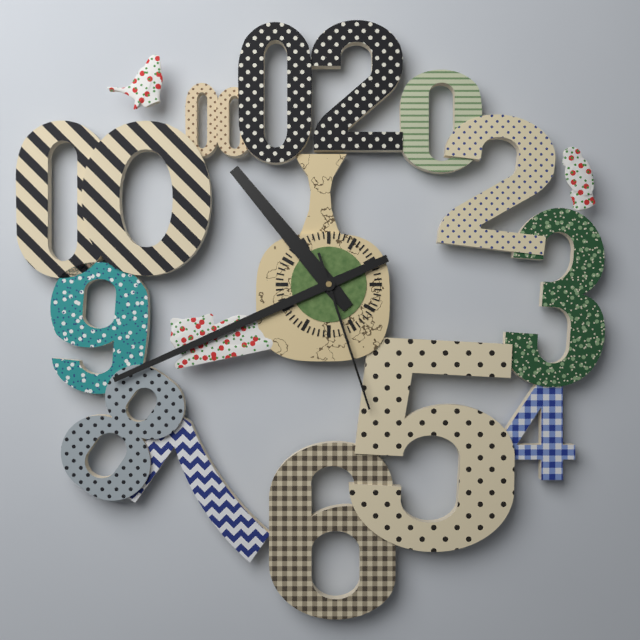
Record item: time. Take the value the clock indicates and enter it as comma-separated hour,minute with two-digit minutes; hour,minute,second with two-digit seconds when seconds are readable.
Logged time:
10,41,27
